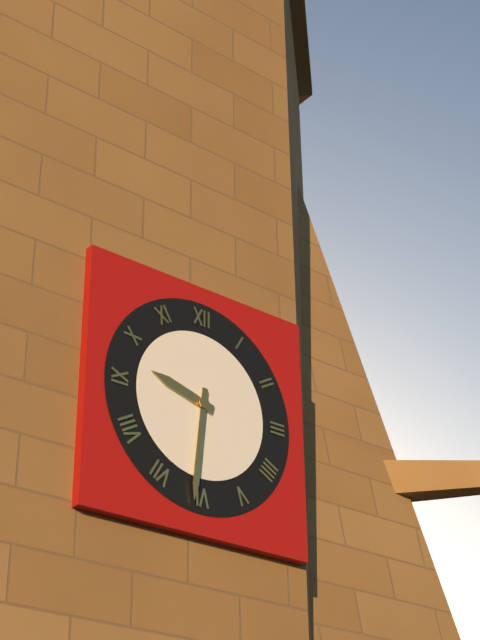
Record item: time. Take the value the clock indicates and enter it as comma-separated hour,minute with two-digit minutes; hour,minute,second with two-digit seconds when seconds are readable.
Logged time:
9,31
